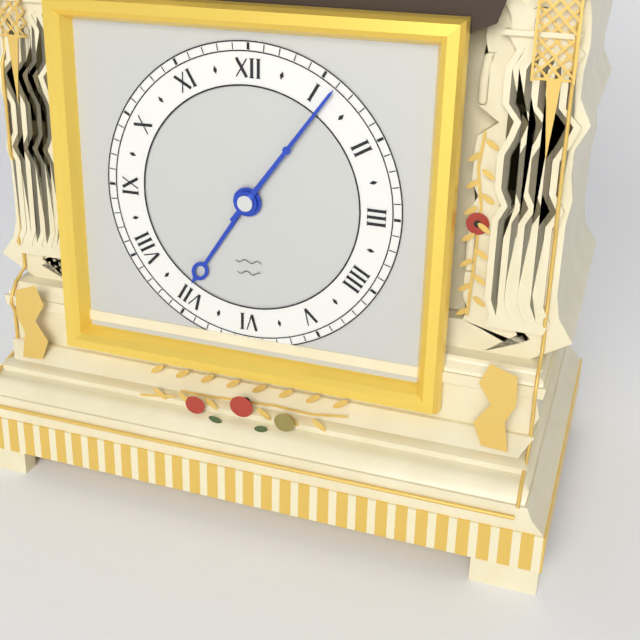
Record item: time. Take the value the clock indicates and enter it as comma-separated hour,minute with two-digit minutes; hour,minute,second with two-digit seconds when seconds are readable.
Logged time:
7,06
